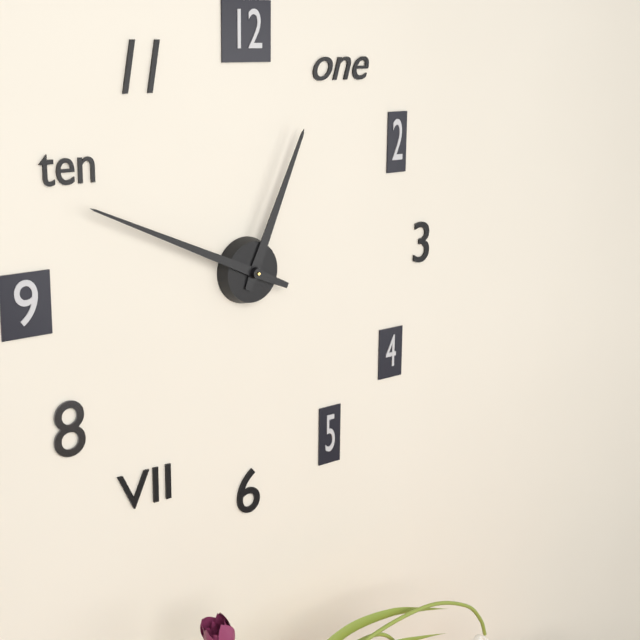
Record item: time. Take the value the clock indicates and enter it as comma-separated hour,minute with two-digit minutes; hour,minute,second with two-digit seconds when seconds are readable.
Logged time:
12,49
